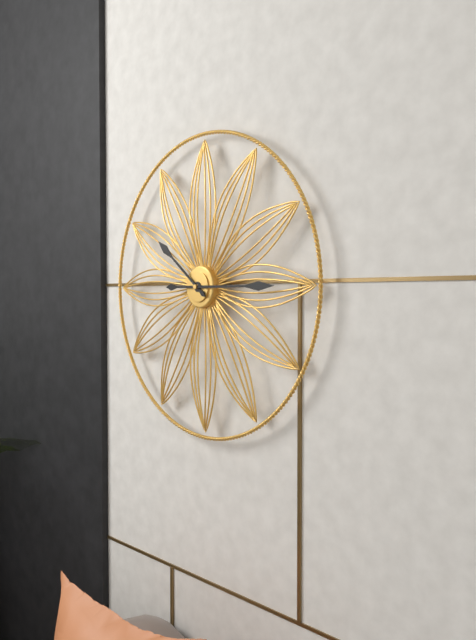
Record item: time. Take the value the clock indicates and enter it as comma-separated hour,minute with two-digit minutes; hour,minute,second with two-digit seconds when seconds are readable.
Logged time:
10,15
